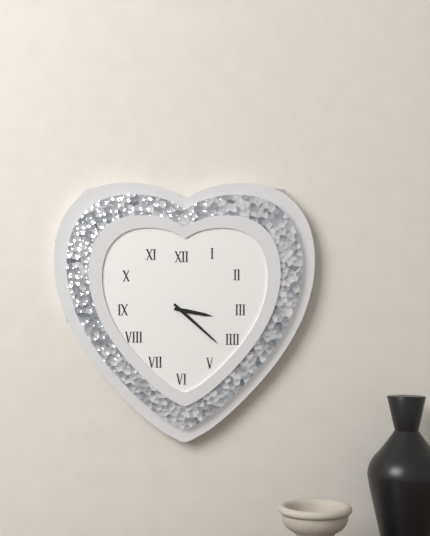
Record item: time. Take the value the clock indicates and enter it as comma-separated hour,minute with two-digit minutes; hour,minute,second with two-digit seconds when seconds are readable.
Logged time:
3,22
